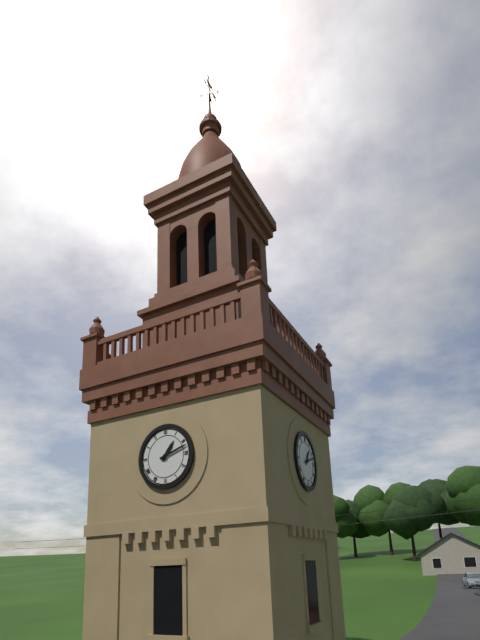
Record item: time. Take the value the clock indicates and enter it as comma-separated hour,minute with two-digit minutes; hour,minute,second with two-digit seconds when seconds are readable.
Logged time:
1,12
